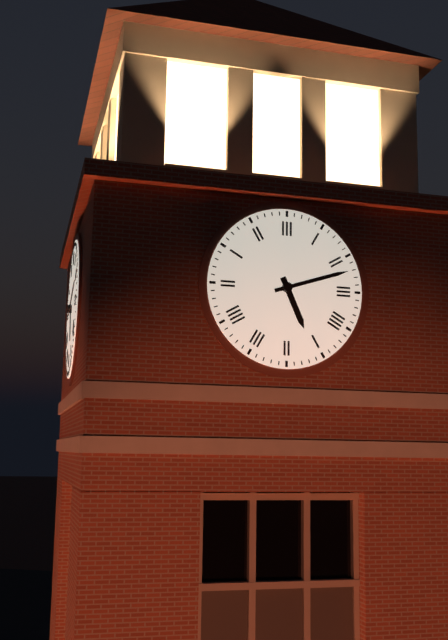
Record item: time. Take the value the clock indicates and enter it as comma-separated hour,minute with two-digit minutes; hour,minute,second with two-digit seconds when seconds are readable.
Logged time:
5,12
